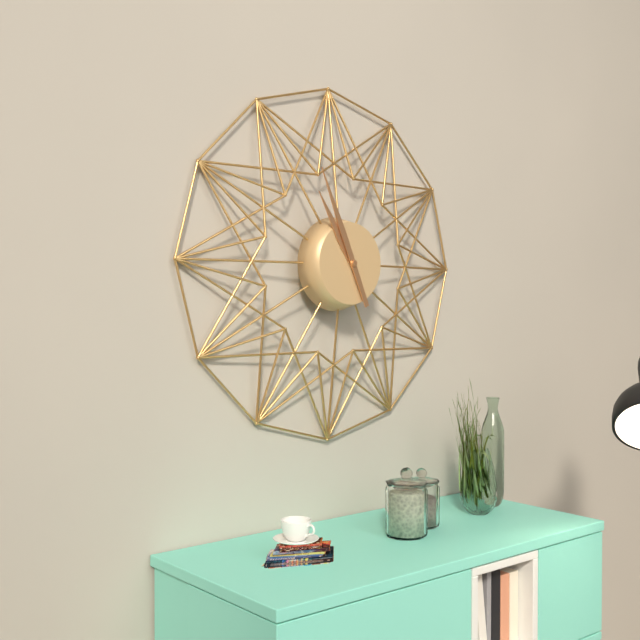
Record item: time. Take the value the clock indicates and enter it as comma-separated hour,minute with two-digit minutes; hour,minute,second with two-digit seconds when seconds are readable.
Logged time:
10,56
